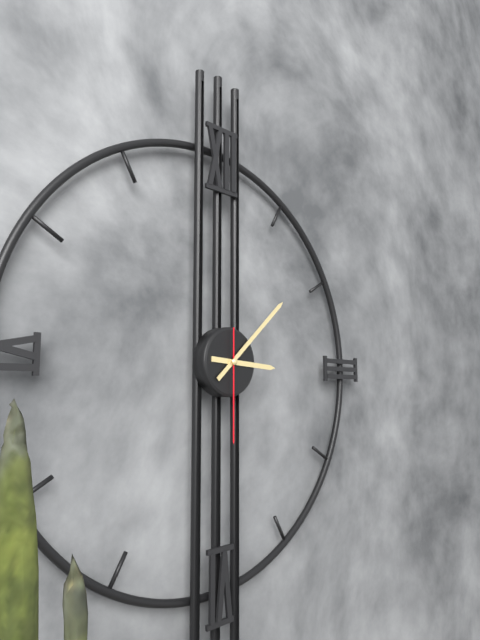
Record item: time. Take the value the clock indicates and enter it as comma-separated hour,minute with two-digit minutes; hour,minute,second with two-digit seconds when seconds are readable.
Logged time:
3,08,30
